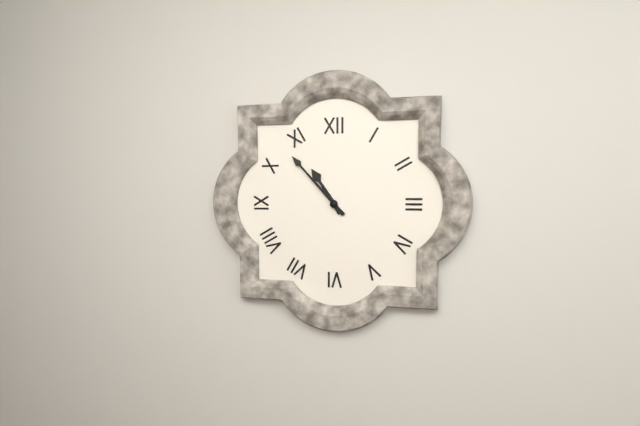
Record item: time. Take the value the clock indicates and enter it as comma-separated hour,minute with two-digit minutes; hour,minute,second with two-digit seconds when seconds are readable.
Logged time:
10,53
